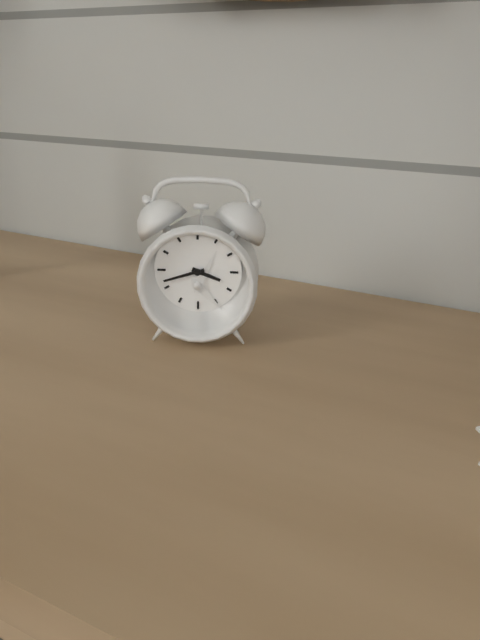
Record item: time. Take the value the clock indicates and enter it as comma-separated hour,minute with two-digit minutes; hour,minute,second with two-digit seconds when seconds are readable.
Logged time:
3,42
